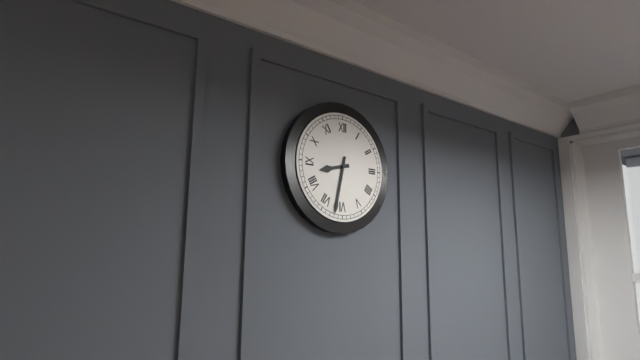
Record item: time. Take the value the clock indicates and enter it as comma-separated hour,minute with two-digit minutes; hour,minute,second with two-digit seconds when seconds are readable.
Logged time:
8,32
